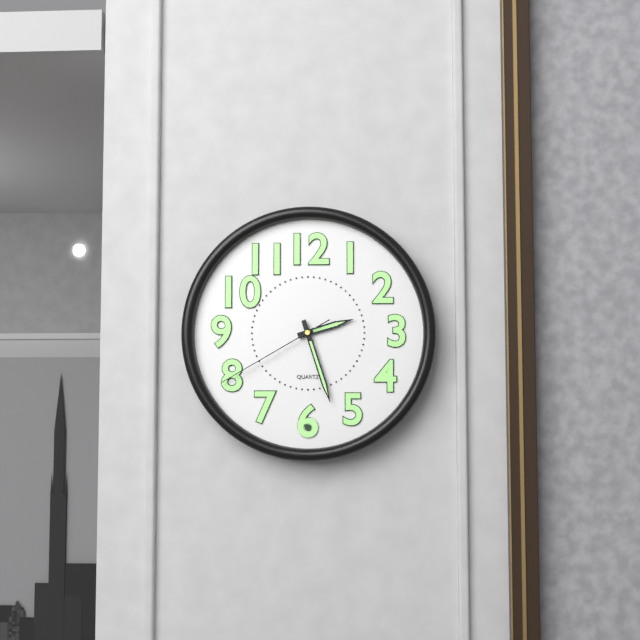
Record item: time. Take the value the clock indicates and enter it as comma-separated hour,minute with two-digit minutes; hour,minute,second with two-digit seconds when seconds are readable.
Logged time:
2,27,40
